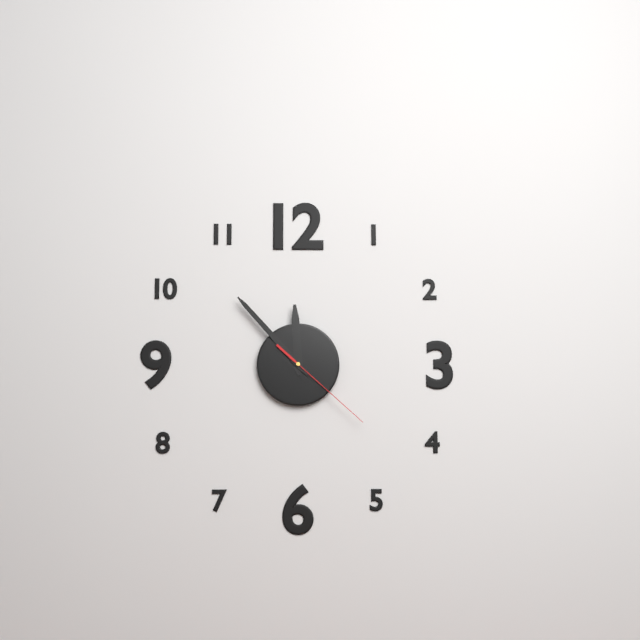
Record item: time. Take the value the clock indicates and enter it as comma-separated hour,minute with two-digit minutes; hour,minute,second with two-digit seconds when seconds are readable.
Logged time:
11,53,22
